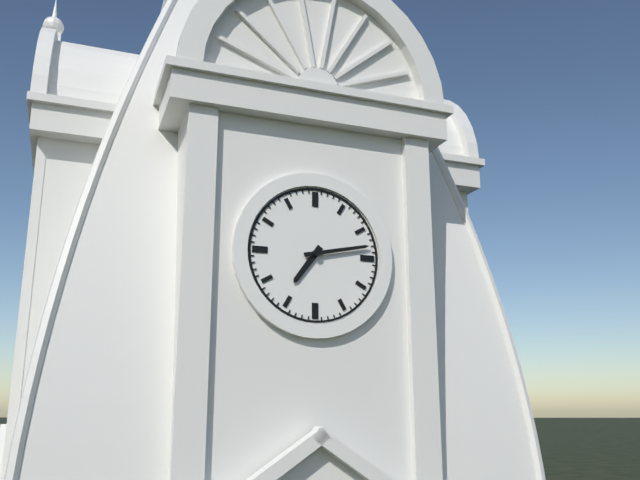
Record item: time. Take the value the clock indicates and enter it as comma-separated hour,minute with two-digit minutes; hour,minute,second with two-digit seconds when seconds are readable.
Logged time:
7,13
